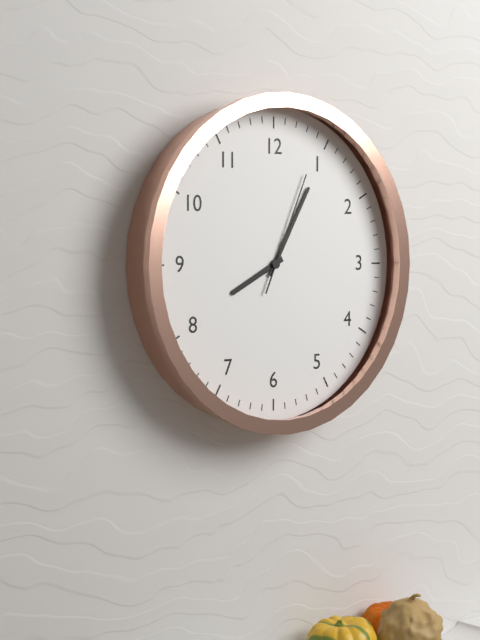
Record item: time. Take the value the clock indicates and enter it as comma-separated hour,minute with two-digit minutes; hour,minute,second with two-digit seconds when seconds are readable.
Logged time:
8,05,04
